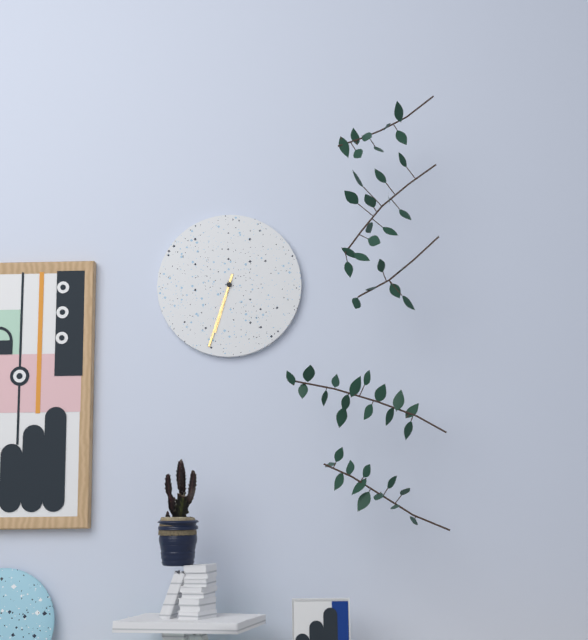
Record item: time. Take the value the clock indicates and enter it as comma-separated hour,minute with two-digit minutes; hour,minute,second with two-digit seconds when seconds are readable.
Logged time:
6,33
